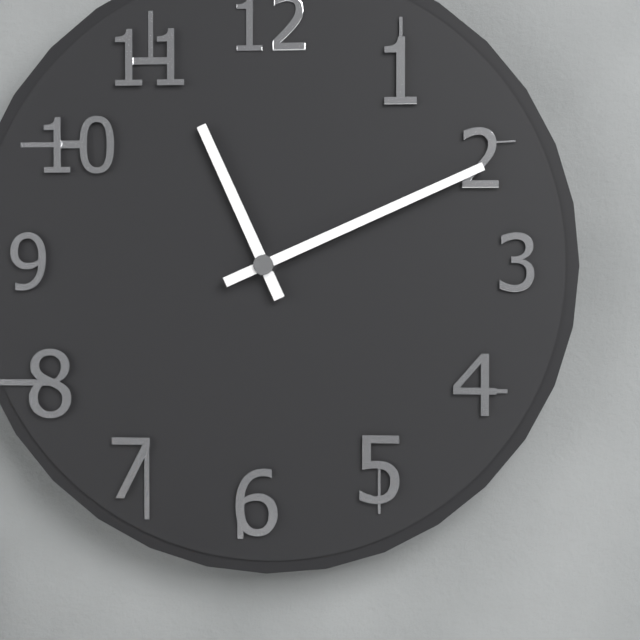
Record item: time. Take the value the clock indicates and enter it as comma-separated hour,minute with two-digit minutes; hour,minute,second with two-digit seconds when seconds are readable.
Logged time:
11,11
